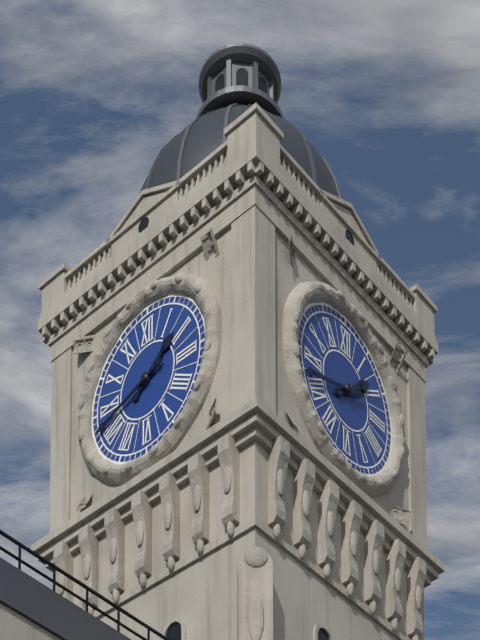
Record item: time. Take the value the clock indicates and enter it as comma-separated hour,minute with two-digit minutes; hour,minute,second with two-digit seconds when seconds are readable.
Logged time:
1,42
